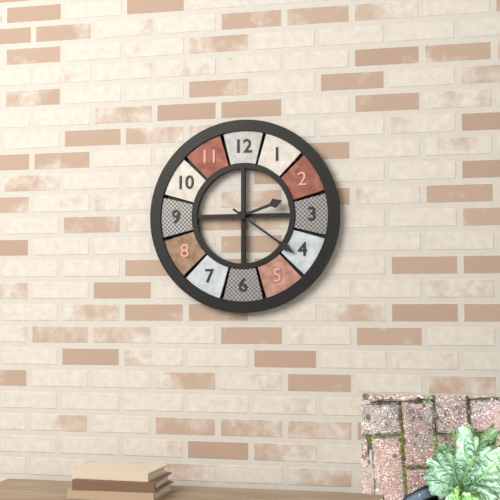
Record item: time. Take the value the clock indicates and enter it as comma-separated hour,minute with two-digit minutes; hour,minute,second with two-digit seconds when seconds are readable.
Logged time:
2,21
